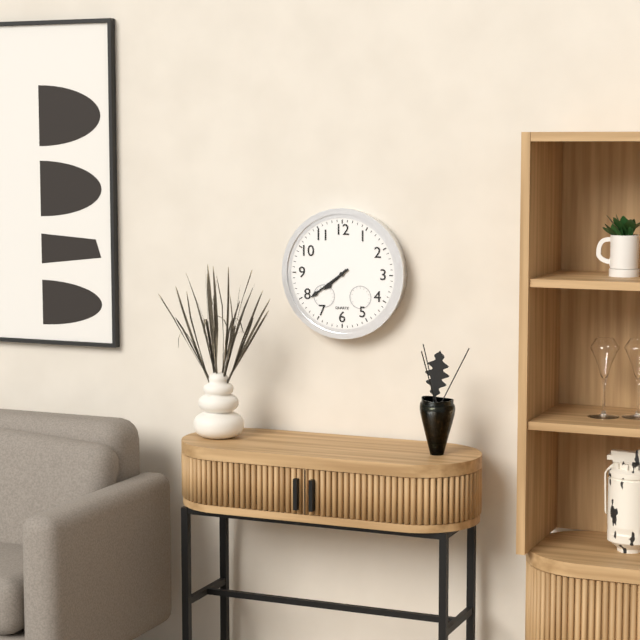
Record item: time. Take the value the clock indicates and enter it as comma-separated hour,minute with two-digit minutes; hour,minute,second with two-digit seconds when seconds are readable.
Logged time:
7,39
